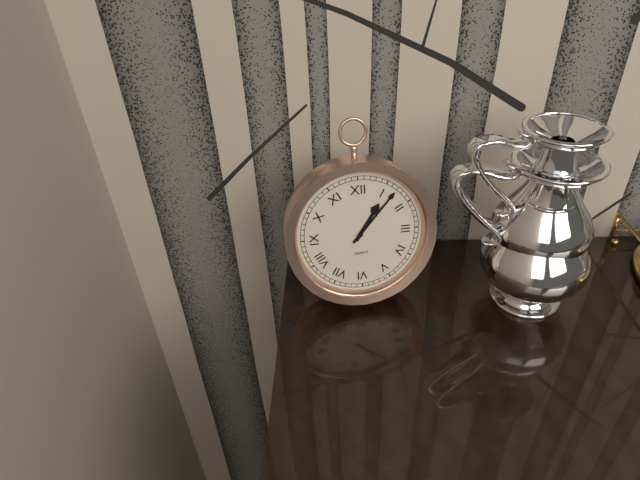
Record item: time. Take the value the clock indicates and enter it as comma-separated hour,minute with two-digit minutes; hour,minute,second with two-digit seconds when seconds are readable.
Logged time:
1,07
